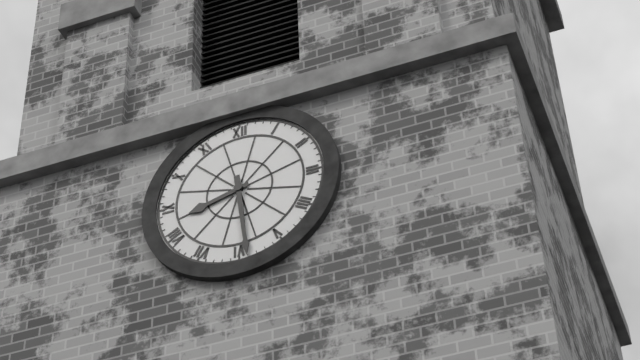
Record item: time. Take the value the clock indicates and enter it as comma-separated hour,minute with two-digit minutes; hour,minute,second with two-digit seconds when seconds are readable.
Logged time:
8,29
